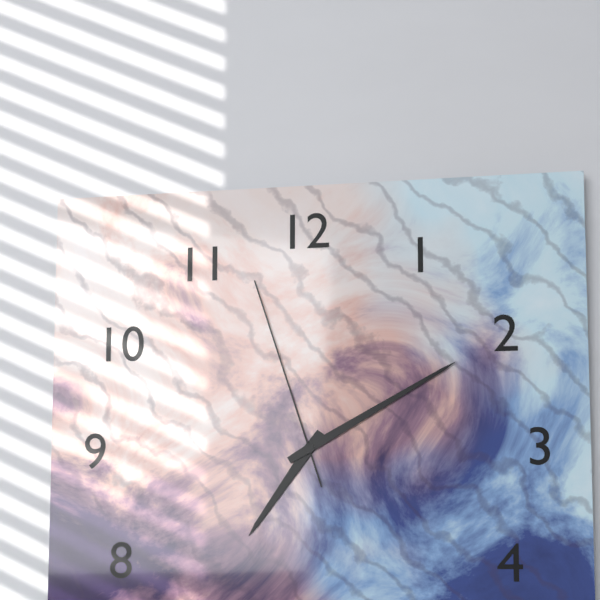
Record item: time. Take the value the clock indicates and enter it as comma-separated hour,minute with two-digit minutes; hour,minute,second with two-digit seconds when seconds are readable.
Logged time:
7,10,57
